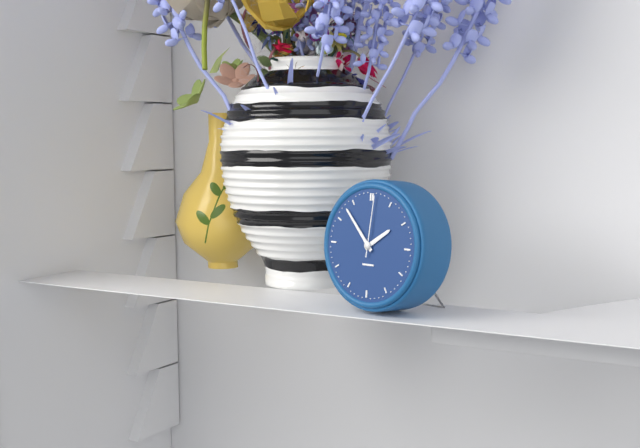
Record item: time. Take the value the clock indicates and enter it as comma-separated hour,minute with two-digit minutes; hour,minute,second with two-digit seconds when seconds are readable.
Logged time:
1,53,01
